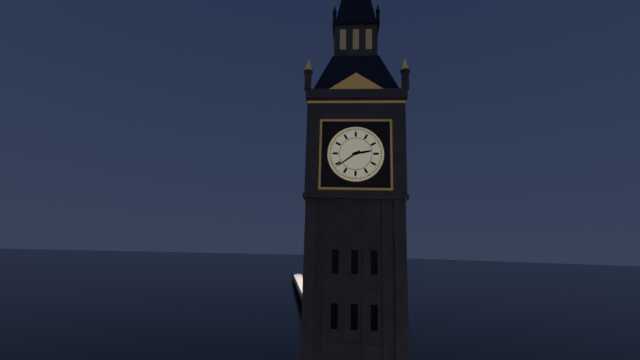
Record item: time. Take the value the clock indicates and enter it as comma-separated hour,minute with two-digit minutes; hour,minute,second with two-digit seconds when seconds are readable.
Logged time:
2,39
